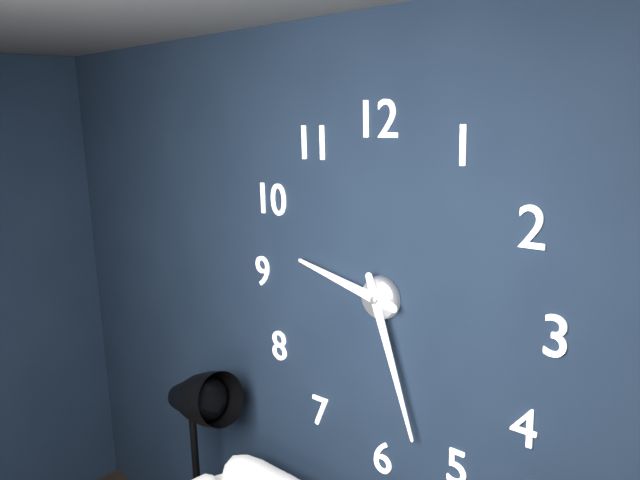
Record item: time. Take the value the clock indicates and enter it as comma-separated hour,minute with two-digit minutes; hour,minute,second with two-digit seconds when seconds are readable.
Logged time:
9,27
